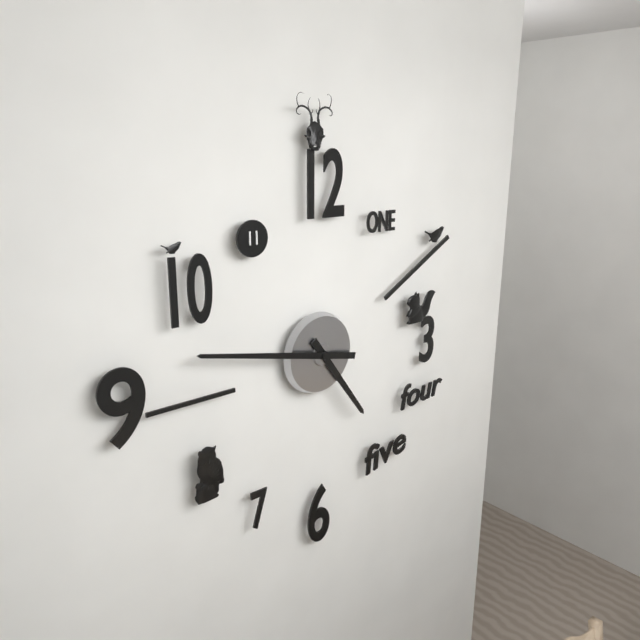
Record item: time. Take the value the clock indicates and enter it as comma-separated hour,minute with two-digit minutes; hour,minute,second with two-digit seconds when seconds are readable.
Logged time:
4,47
